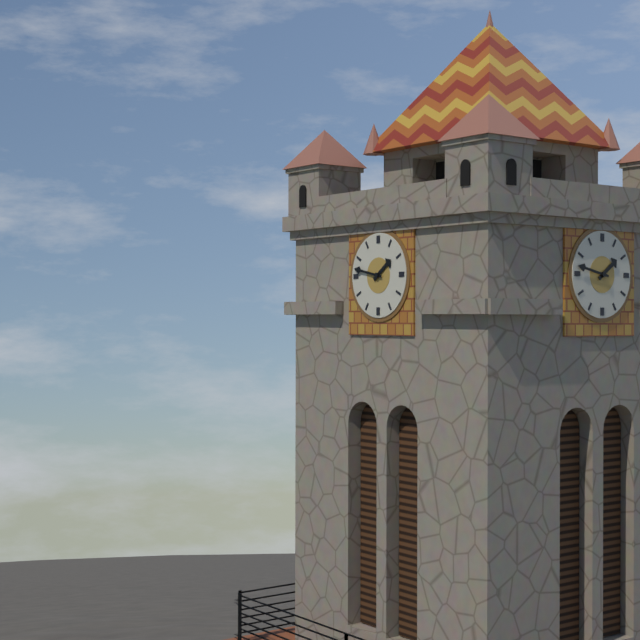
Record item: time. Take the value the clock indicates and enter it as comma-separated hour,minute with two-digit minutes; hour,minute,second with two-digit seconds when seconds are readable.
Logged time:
1,47
